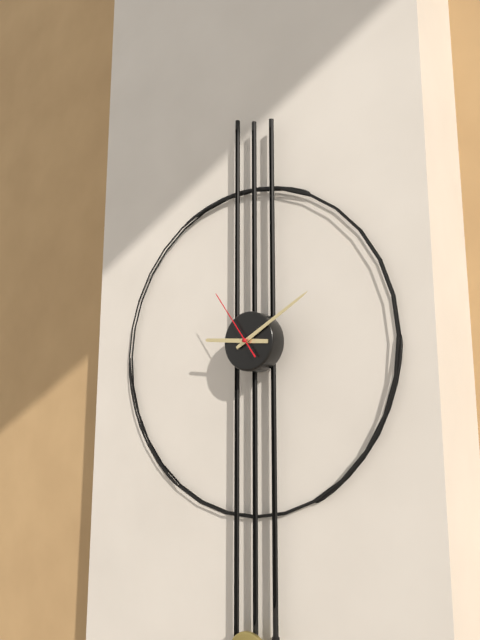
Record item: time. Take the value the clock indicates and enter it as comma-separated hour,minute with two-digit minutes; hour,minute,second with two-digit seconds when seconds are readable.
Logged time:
9,10,54
